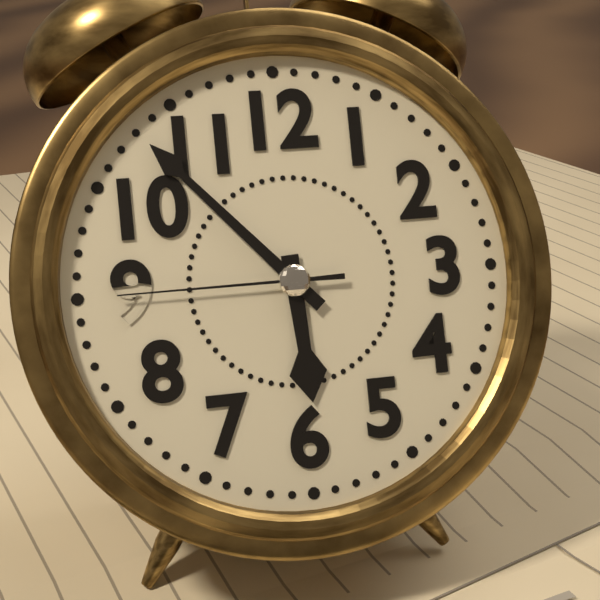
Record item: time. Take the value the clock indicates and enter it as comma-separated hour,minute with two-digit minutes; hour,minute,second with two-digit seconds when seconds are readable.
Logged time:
5,53,45
